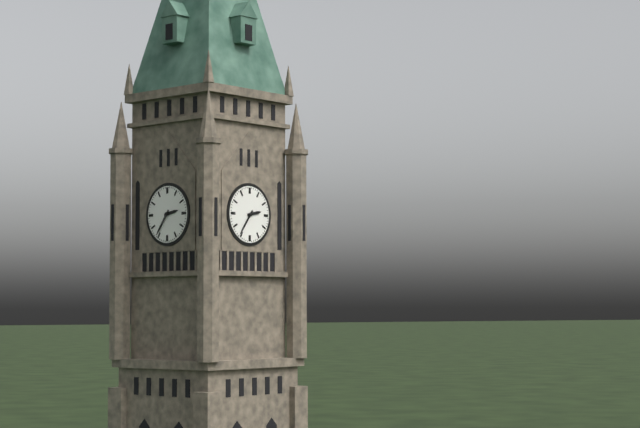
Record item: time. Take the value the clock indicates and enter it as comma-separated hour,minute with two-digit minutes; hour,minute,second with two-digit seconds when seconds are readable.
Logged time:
2,36
